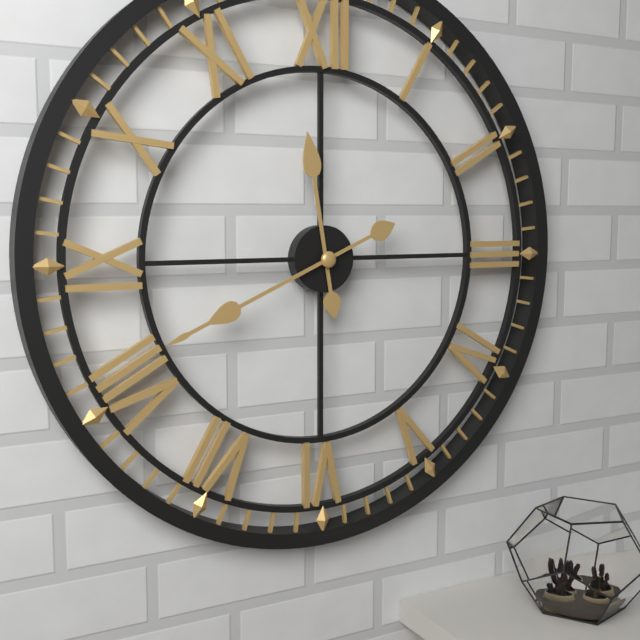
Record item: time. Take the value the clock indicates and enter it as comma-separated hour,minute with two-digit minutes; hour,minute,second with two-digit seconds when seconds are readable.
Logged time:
11,41
